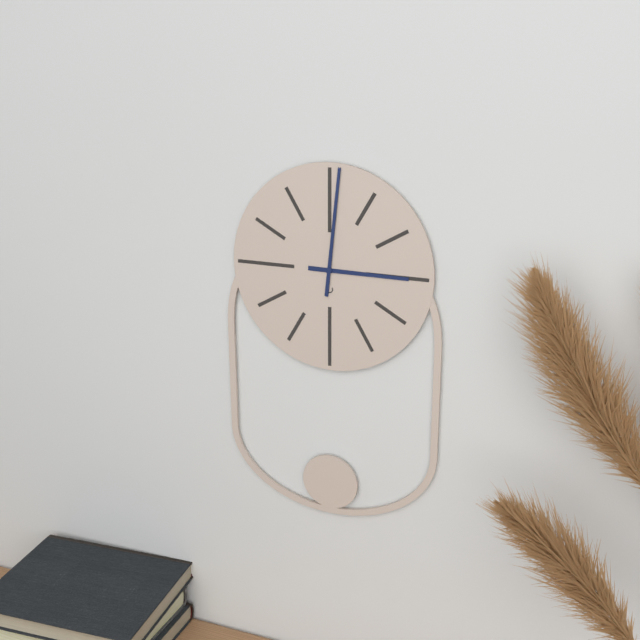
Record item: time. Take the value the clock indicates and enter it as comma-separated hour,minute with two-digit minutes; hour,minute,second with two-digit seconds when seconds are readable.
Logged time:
3,01
